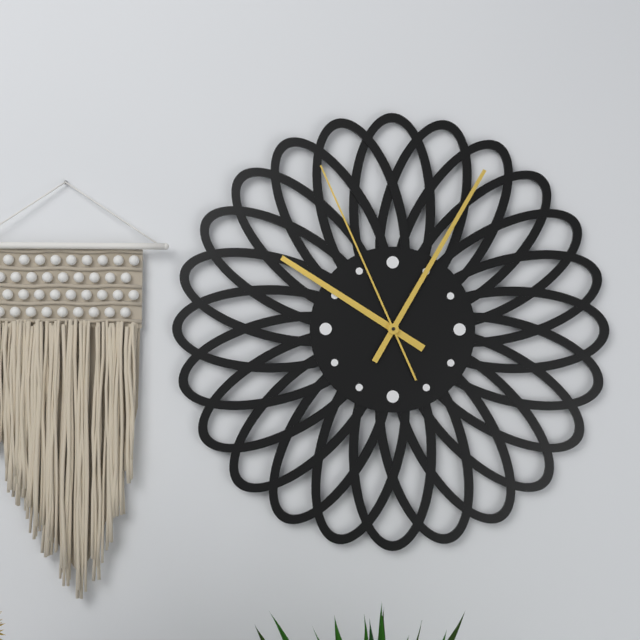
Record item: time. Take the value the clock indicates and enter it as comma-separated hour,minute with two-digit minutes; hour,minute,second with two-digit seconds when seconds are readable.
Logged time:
10,05,56
